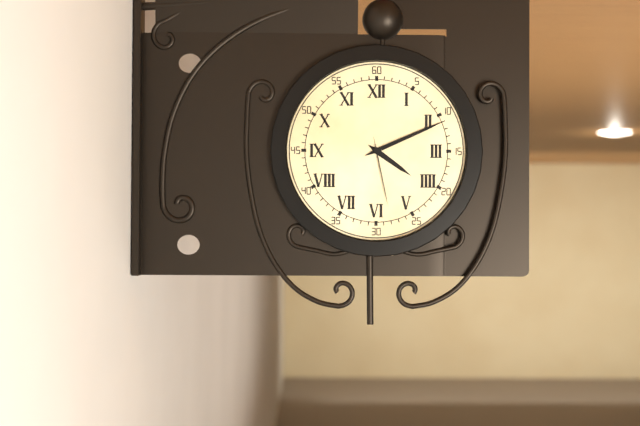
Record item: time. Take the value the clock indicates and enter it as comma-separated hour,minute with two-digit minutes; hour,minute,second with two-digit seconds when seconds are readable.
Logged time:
4,11,28
